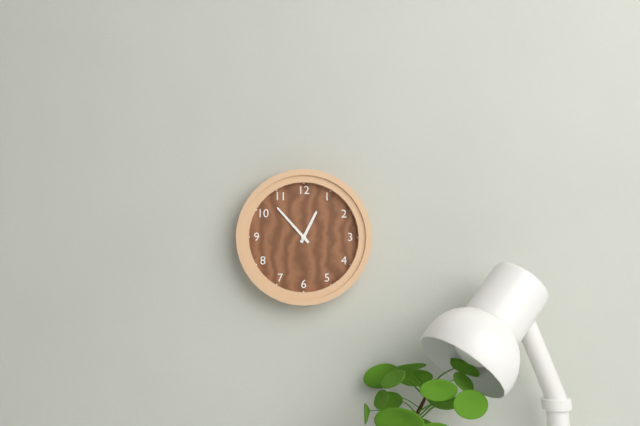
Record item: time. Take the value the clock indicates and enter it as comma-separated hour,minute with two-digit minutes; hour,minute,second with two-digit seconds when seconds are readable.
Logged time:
12,53
